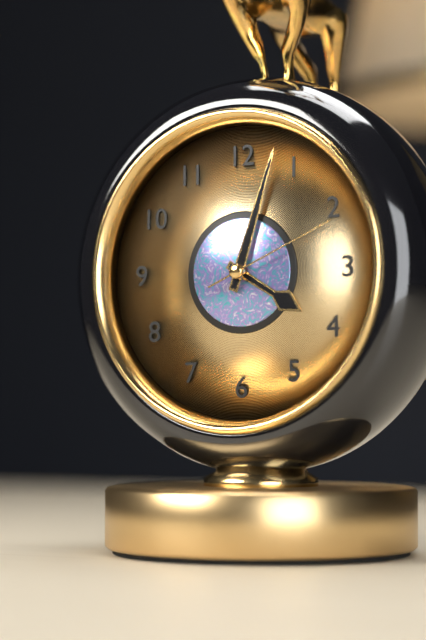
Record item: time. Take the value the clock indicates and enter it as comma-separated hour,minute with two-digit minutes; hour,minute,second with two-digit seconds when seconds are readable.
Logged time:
4,03,11
